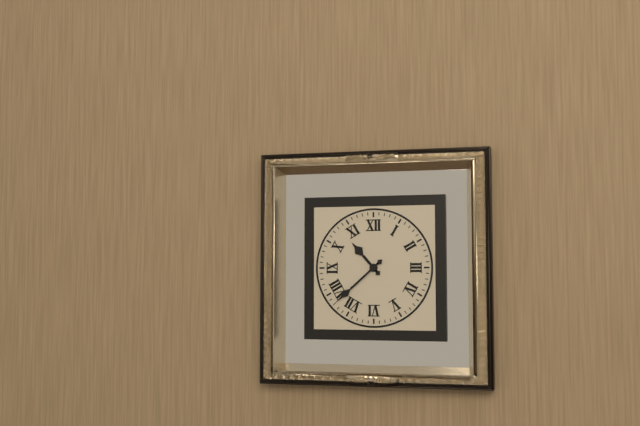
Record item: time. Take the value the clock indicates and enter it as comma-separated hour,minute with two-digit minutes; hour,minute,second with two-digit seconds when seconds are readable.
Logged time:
10,38
